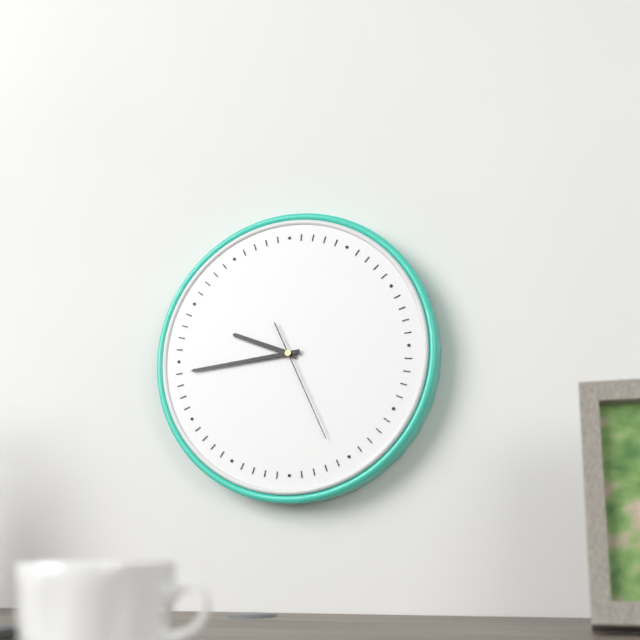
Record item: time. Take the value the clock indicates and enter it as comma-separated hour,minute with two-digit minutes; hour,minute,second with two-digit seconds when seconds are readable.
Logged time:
9,44,26
